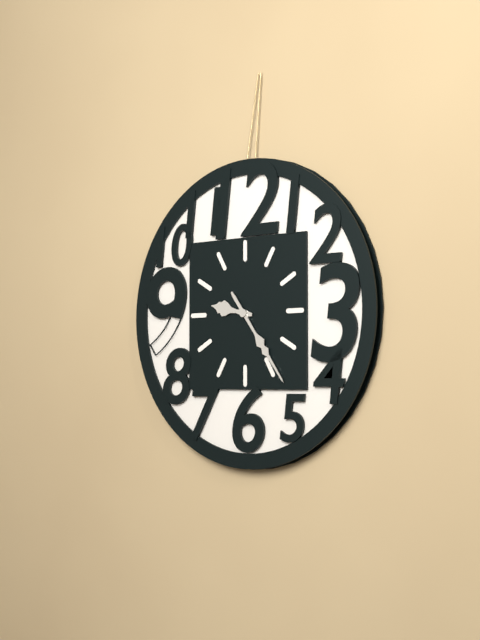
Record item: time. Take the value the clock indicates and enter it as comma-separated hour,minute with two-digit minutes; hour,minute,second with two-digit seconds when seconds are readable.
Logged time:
9,24
